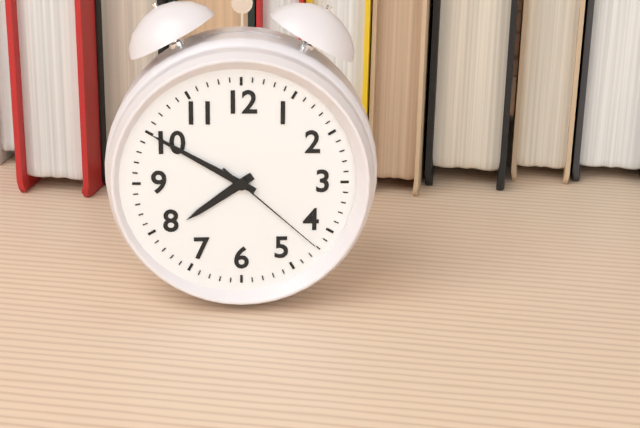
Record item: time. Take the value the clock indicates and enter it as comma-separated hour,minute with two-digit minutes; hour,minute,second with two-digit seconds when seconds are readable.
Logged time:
7,50,22
